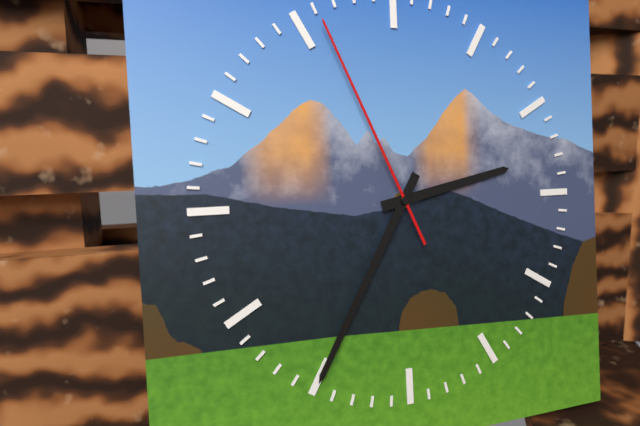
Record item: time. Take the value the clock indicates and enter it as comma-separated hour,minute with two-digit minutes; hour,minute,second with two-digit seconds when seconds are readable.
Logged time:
2,35,56
